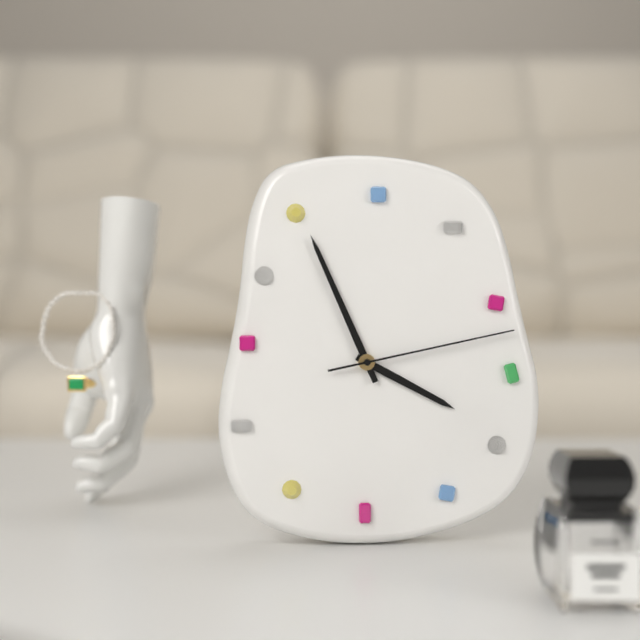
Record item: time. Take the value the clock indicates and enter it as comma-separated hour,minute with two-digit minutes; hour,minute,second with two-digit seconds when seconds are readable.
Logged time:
3,56,13
